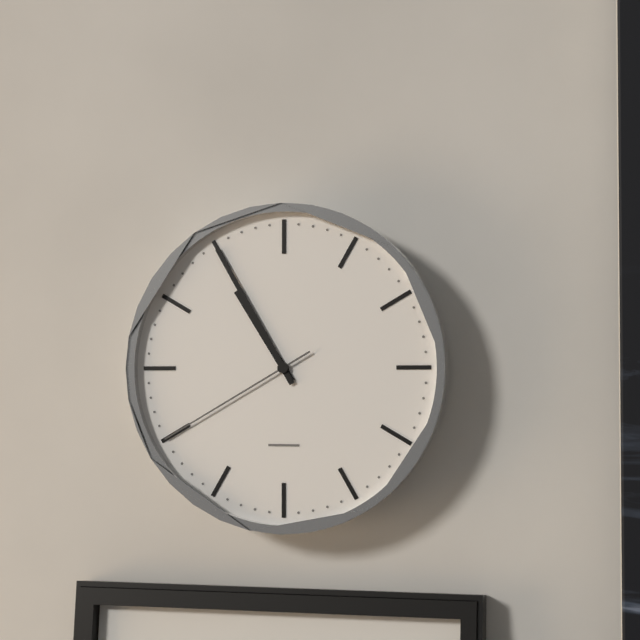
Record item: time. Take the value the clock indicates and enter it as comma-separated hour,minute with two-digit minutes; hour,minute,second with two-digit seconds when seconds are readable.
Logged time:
10,55,40
